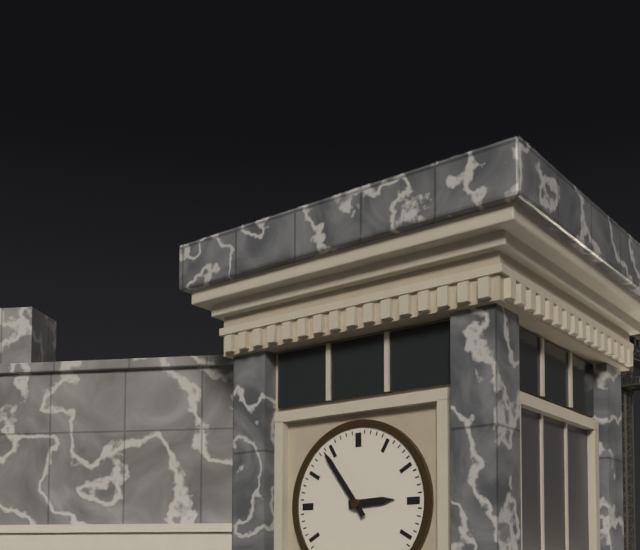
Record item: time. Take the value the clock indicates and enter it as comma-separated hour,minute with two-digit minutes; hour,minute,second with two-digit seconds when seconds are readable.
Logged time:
2,54
